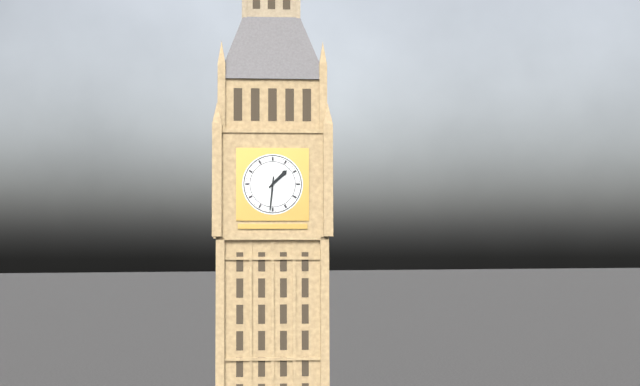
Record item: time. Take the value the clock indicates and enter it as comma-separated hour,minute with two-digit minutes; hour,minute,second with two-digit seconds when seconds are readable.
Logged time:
1,31
